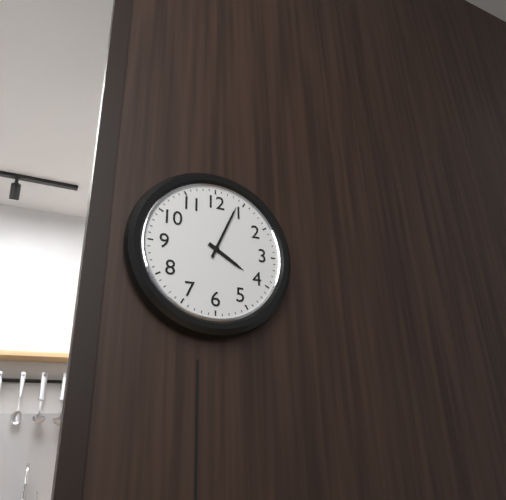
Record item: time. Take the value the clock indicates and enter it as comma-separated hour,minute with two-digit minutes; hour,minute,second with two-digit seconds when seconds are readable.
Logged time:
4,04
